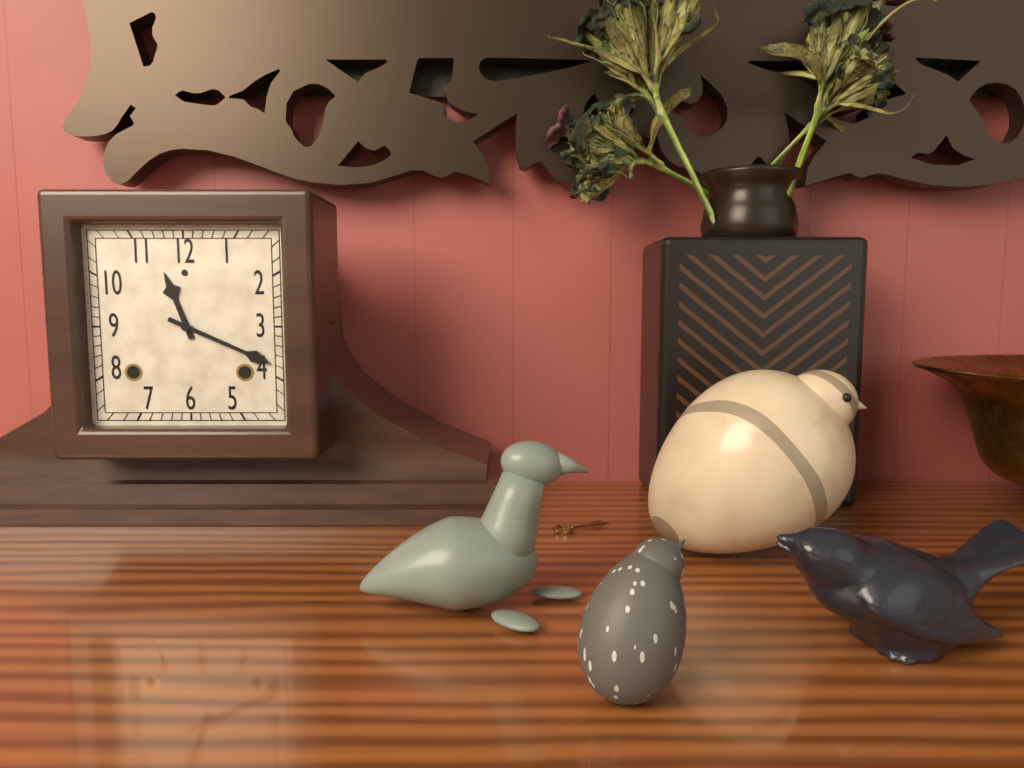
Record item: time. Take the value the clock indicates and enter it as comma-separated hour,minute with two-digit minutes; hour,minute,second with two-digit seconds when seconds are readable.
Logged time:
11,19
